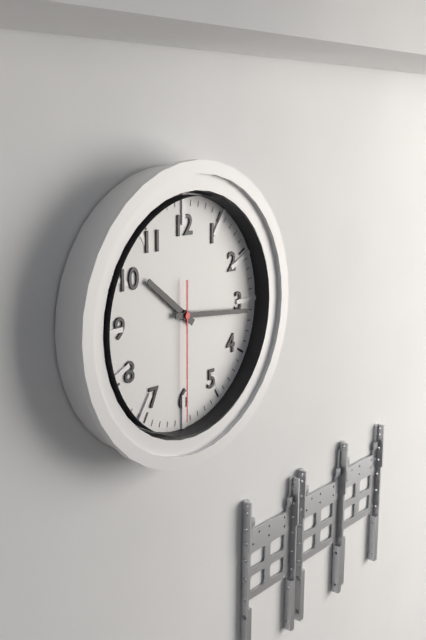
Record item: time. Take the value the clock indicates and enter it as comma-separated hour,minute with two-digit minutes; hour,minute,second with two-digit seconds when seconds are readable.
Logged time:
10,16,30
